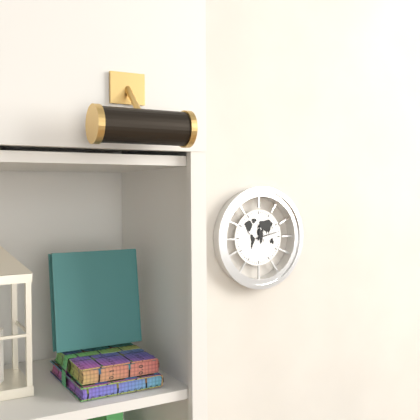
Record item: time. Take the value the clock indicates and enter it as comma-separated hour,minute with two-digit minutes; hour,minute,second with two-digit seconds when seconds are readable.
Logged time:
12,13
